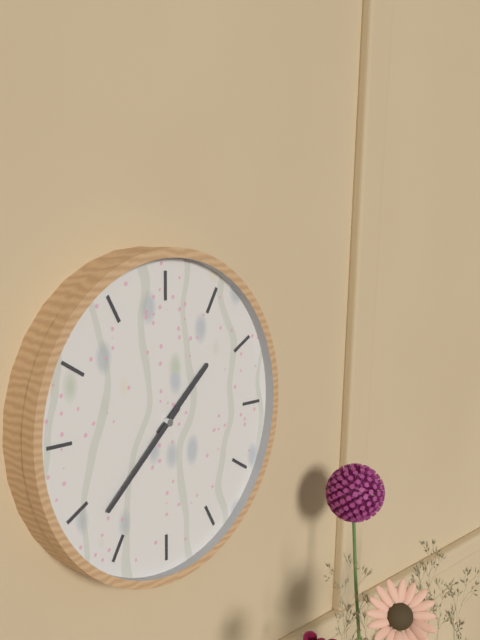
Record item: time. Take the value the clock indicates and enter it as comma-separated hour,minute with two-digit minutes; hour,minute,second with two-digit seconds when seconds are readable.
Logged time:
1,38
